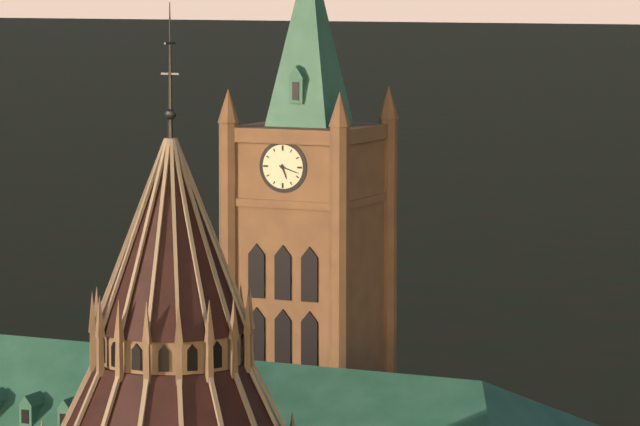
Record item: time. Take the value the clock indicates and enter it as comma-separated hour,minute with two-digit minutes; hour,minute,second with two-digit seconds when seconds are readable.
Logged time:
5,18
